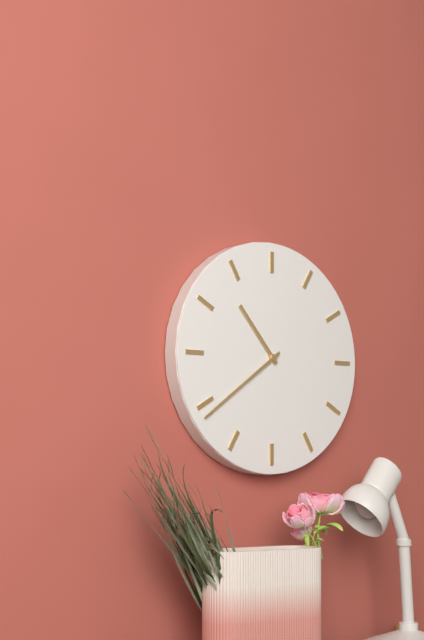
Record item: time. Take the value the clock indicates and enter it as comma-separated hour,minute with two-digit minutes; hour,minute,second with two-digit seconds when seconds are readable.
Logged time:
10,39
